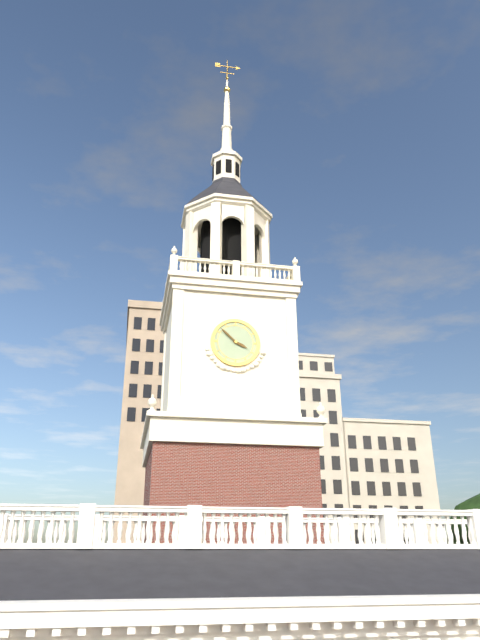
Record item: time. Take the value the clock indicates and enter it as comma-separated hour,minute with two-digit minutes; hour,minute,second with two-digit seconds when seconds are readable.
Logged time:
3,52
